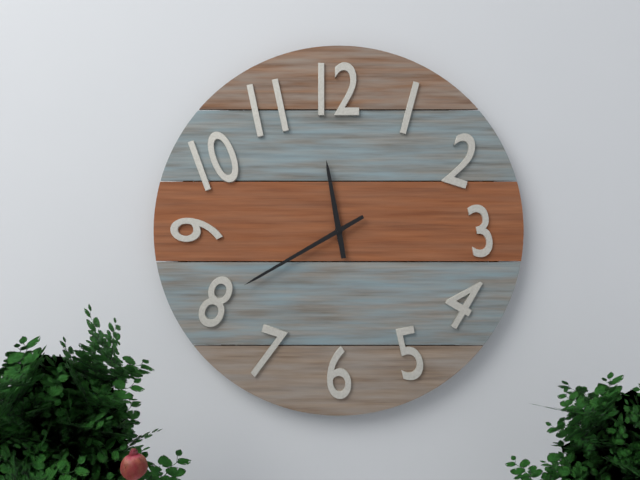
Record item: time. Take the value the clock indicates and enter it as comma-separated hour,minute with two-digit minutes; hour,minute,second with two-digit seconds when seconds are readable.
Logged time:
11,40
